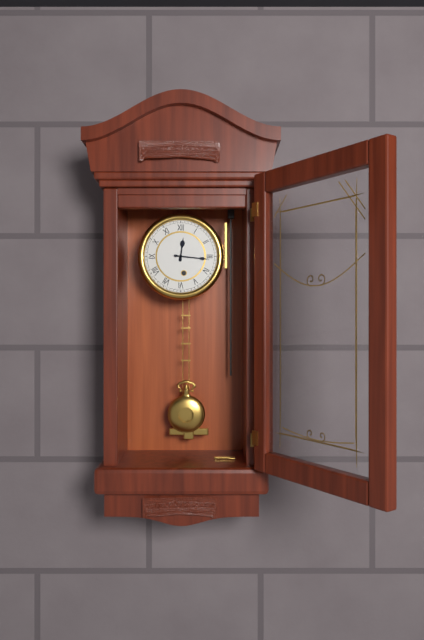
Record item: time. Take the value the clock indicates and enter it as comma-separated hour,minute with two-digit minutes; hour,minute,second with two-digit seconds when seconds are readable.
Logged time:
12,16
